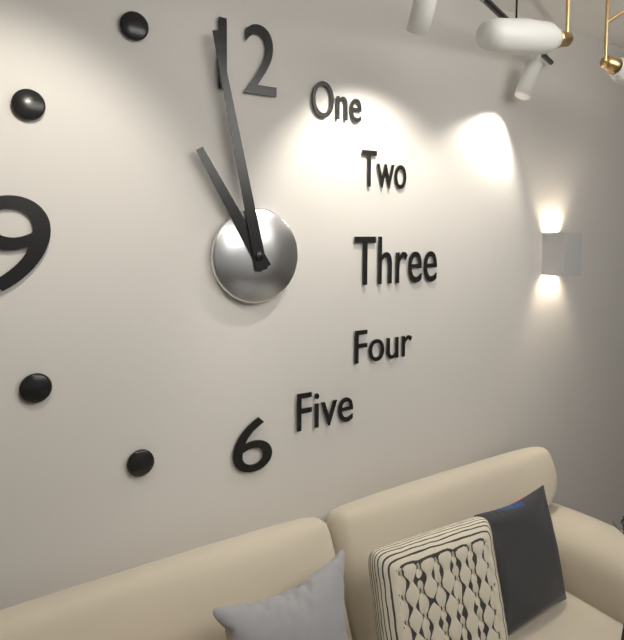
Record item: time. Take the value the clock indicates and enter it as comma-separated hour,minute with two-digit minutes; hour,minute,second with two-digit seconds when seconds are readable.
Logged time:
10,58
